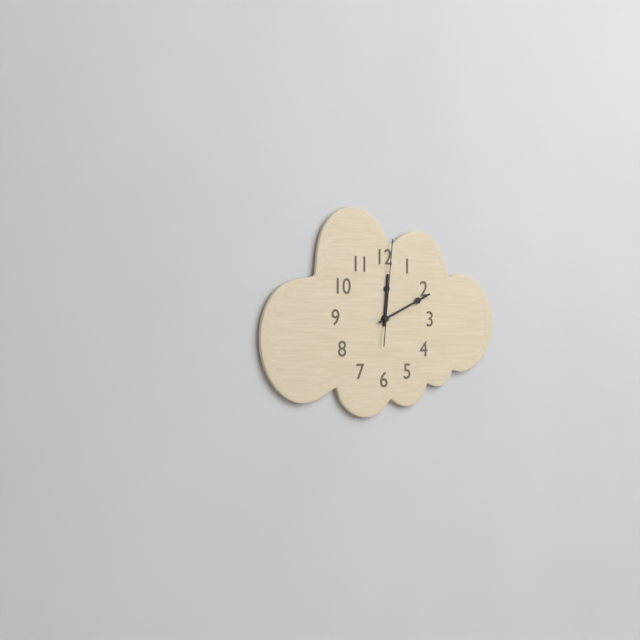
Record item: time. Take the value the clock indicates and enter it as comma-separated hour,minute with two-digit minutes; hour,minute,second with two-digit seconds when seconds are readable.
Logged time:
12,11,01
